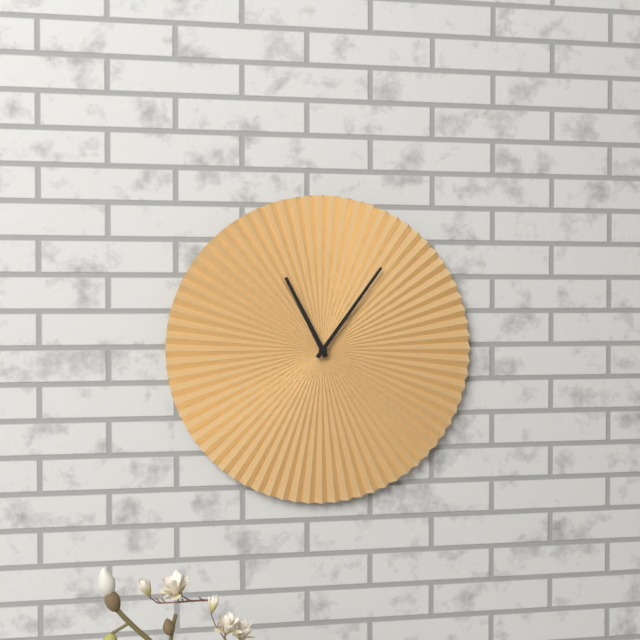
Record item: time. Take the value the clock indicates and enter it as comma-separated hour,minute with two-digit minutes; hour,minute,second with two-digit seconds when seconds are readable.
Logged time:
11,06
